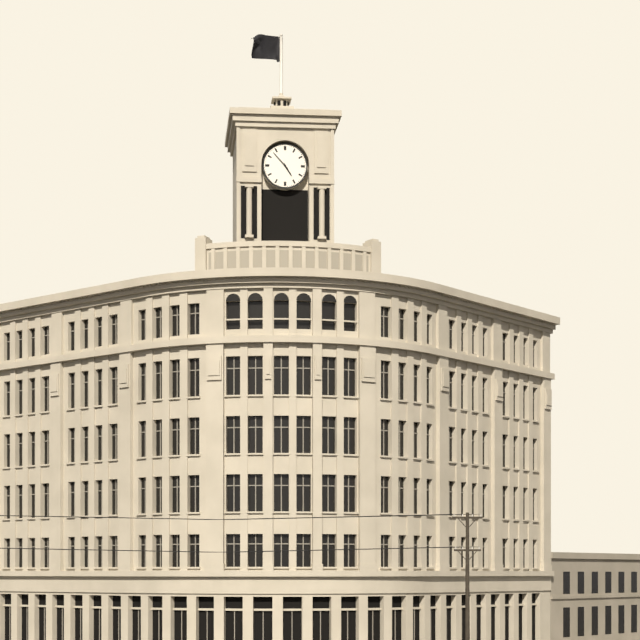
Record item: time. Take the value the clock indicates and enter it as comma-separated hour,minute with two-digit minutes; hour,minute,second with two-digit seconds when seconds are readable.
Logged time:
4,53
